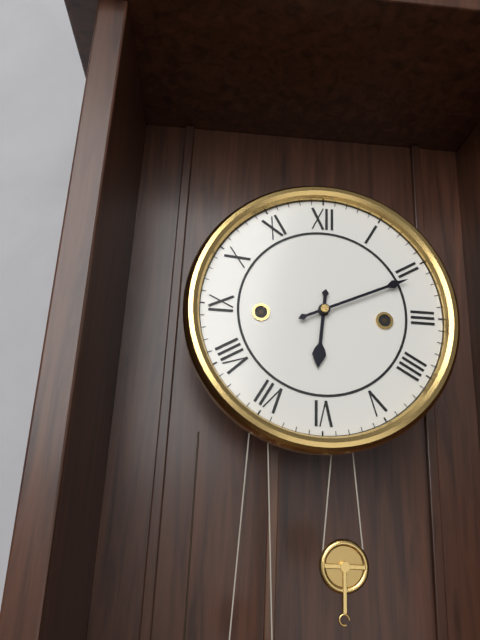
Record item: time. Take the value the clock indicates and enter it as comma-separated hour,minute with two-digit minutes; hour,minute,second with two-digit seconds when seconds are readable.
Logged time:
6,11
